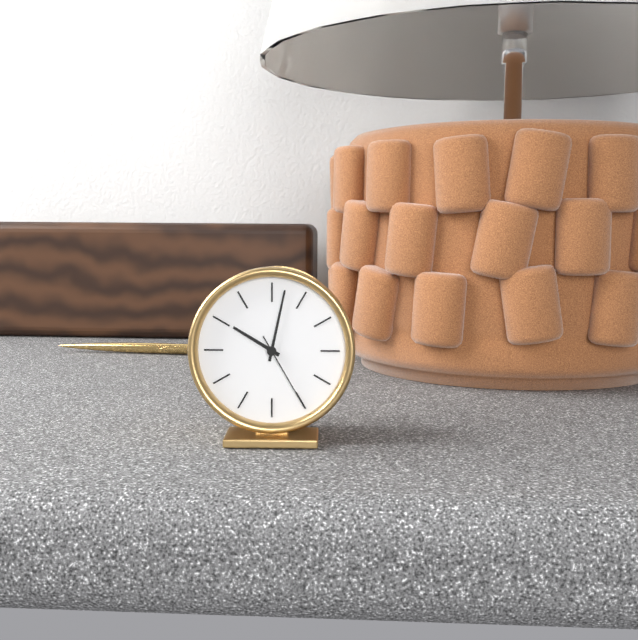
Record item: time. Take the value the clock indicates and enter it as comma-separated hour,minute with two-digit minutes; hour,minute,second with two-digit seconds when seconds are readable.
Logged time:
10,02,25
